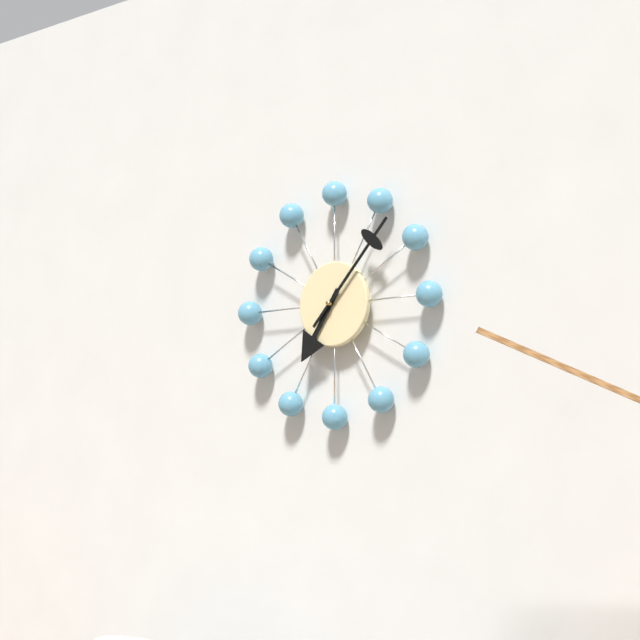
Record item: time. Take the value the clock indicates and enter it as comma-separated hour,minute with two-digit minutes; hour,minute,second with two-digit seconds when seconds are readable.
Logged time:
7,07
